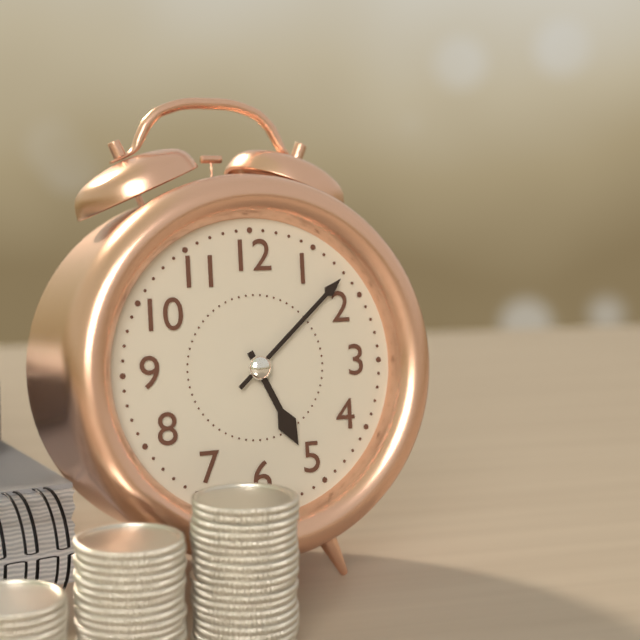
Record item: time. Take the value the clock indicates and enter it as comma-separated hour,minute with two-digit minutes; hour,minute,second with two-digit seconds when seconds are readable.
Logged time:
5,08
